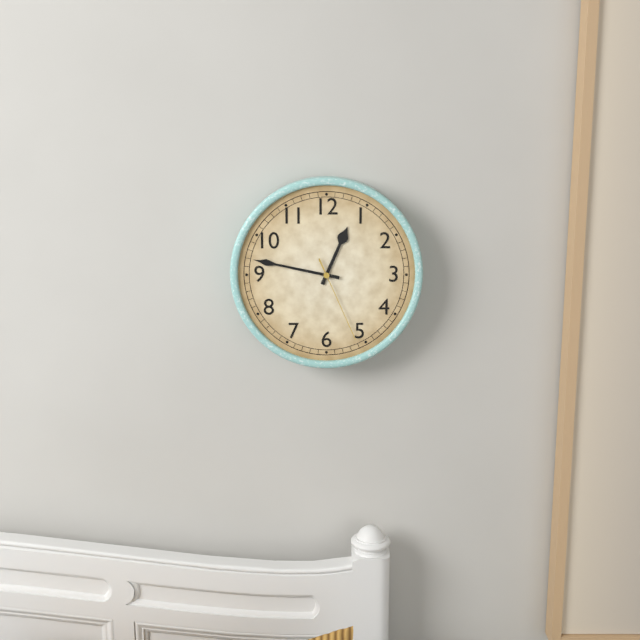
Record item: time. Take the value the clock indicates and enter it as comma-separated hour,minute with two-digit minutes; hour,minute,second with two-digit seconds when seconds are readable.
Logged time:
12,47,26
